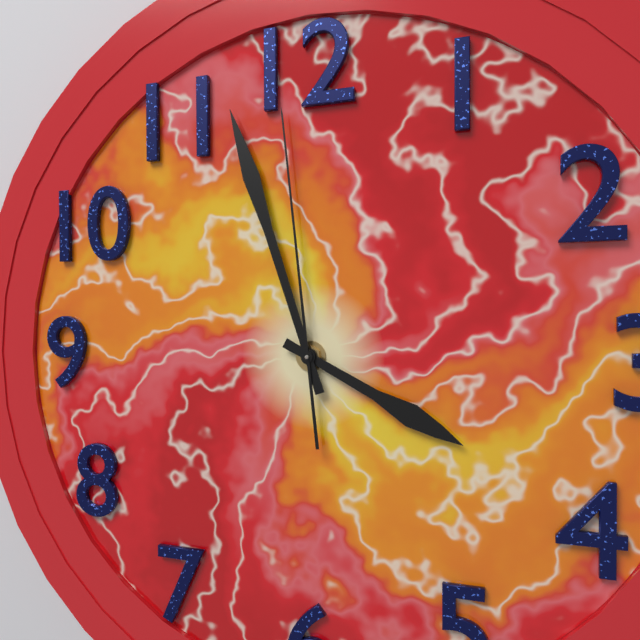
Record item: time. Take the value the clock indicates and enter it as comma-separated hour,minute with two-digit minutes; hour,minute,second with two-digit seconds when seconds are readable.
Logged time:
3,57,59
